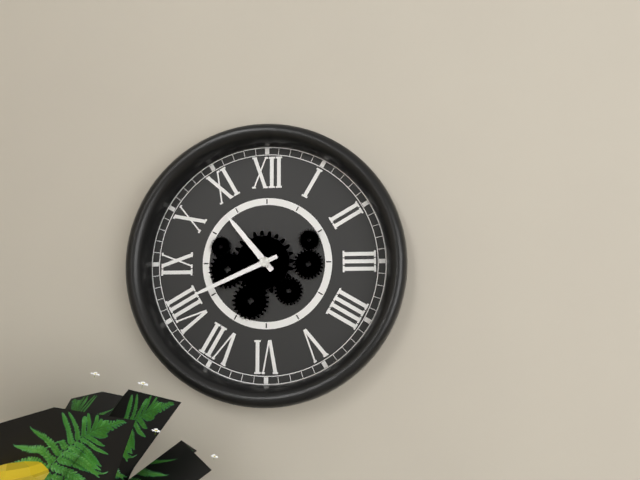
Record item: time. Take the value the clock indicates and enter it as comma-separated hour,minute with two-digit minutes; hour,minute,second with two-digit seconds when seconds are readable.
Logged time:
10,41
